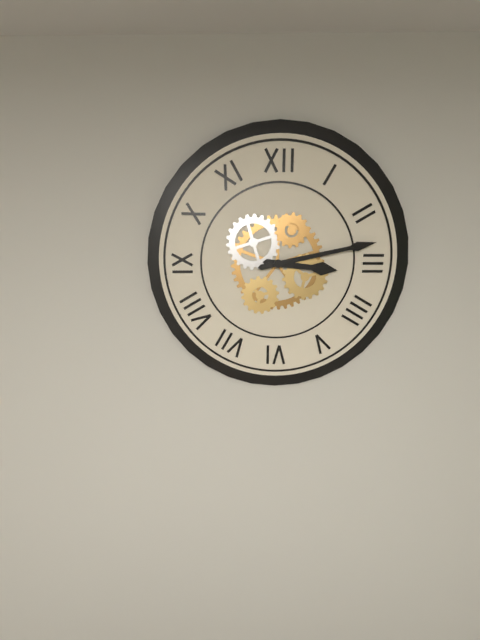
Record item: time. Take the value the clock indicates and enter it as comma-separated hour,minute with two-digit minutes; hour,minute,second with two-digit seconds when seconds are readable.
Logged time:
3,13
